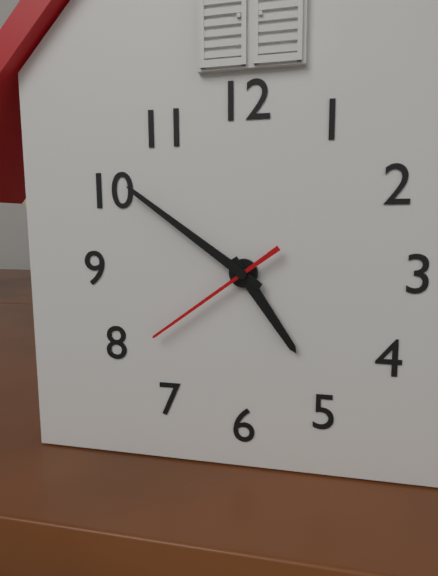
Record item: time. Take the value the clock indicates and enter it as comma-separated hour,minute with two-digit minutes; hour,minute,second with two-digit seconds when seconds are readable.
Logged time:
4,51,39
